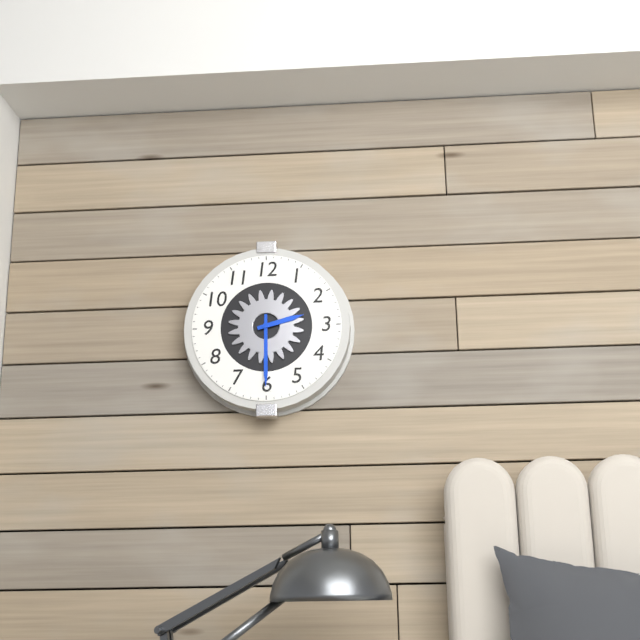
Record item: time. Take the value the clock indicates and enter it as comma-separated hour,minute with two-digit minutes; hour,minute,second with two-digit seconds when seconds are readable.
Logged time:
2,30
